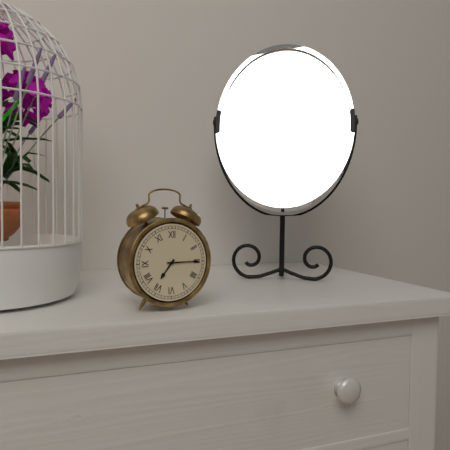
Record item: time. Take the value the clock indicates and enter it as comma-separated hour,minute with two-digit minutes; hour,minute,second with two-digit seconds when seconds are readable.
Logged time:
7,15
